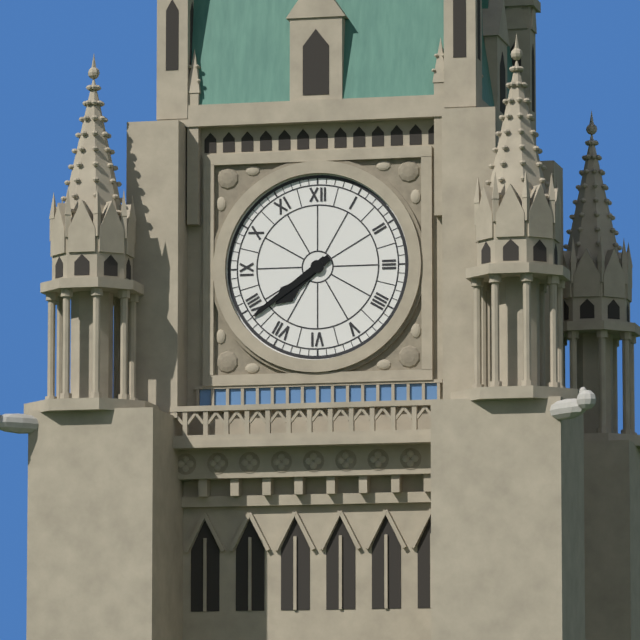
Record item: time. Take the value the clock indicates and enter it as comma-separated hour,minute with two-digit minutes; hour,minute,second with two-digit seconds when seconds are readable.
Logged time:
7,39
